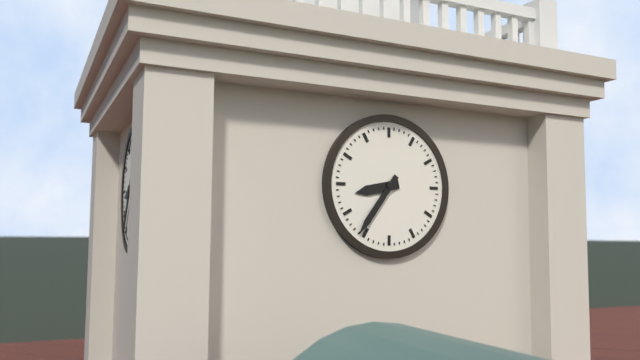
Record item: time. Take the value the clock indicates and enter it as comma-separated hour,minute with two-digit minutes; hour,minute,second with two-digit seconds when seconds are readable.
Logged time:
8,36
